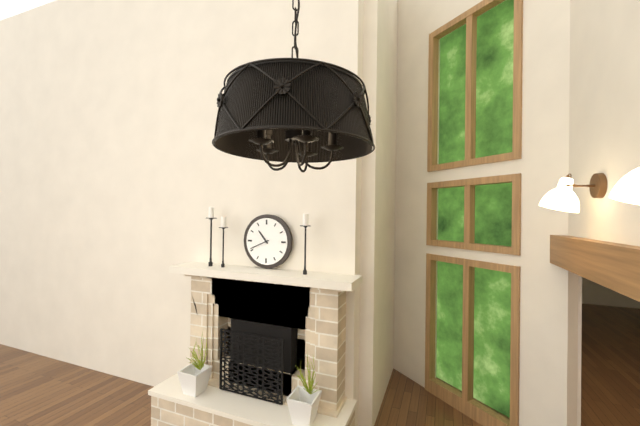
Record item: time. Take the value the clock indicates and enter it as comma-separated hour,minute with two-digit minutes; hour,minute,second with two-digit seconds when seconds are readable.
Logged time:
10,41
